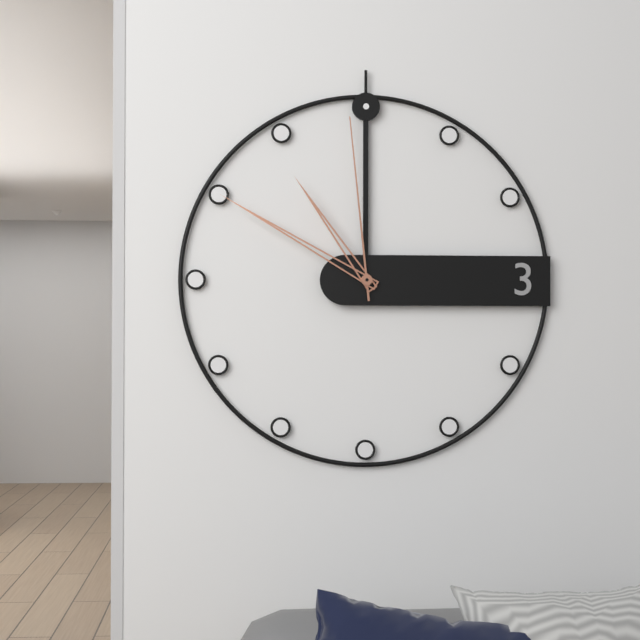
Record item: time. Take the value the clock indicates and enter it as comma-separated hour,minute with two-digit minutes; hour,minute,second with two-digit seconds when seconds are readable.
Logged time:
10,50,59
